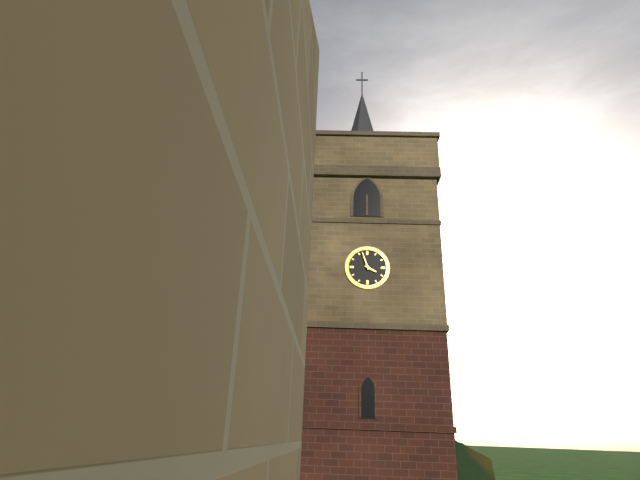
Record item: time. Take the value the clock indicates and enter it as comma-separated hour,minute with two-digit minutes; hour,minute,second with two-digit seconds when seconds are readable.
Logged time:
3,57
